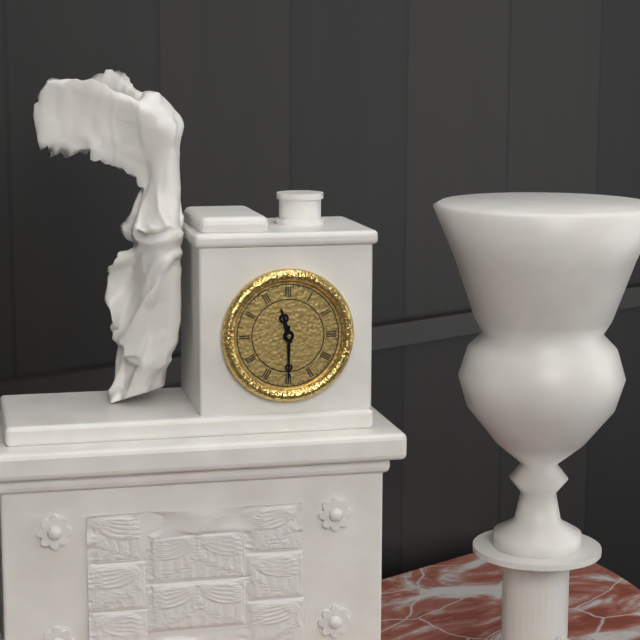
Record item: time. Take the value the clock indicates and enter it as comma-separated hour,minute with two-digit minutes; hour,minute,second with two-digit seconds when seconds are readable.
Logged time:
11,30
